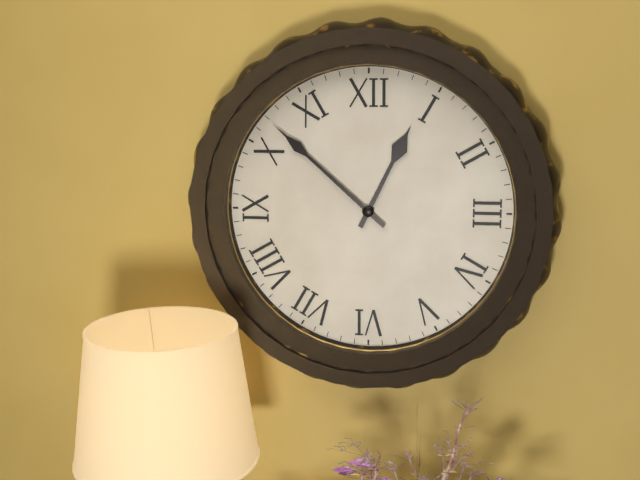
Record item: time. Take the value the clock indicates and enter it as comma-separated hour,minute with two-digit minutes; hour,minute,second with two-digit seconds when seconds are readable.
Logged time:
12,52
